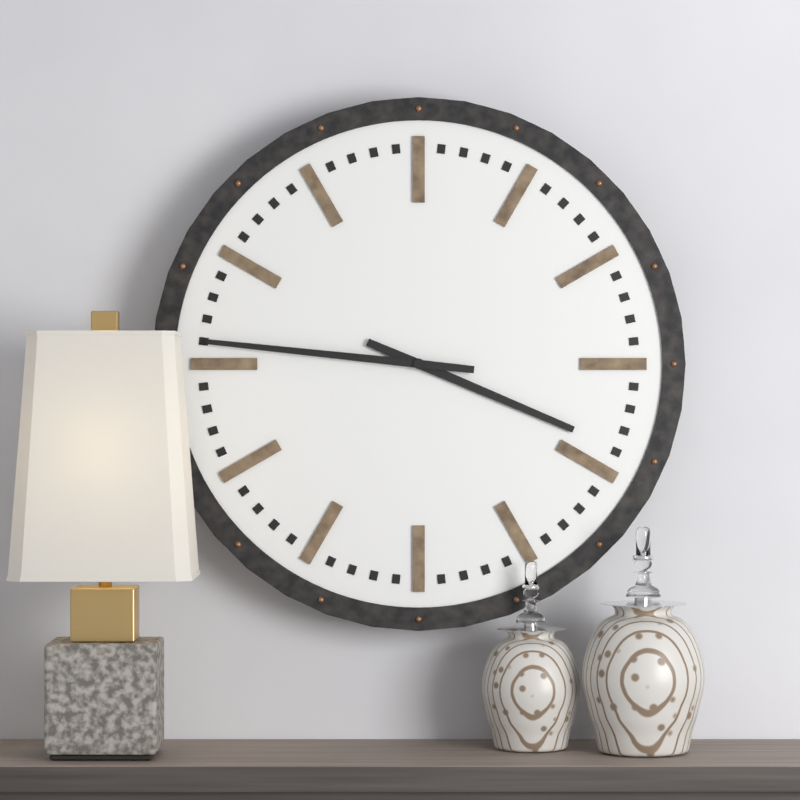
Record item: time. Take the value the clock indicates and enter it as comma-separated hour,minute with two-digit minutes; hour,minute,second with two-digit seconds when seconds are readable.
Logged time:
3,46
